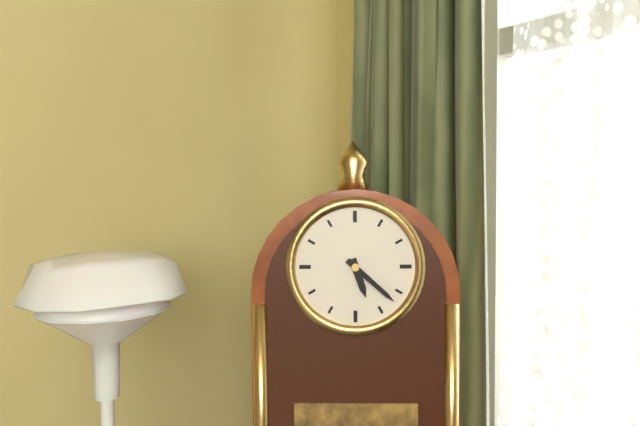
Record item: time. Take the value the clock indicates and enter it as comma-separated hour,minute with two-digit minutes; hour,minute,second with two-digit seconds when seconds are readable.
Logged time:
5,22
